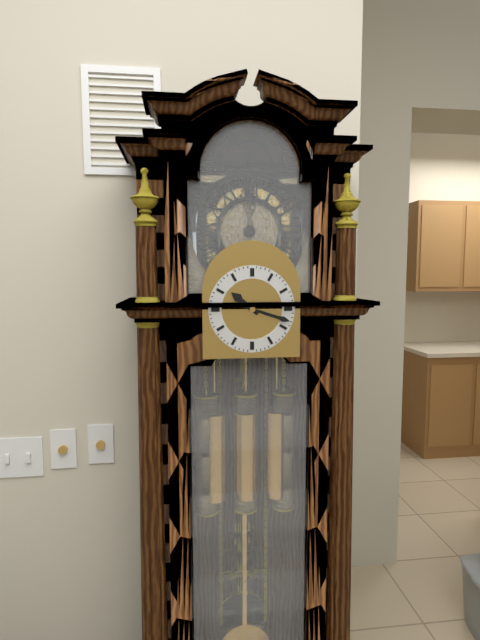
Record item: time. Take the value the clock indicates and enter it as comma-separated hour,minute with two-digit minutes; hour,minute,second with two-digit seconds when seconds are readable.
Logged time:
10,18
